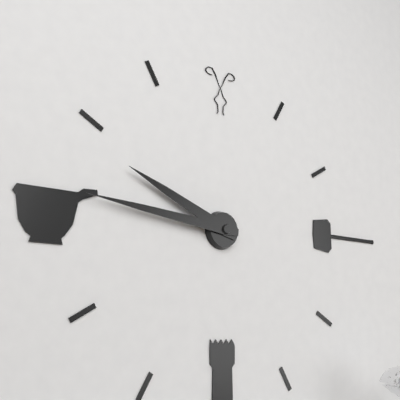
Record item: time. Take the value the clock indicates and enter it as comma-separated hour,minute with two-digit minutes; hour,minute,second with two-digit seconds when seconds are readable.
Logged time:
9,46
